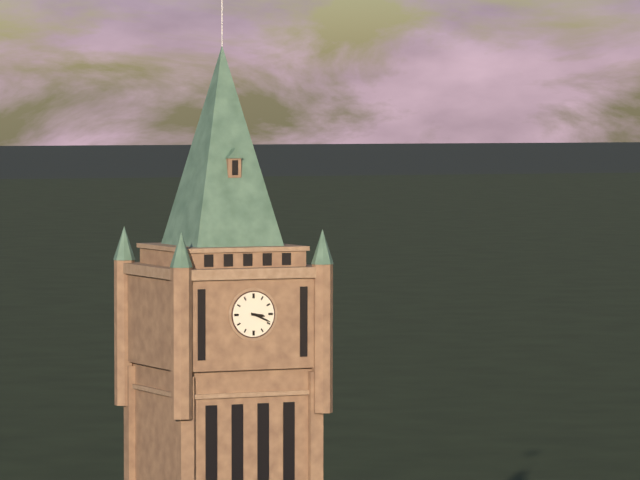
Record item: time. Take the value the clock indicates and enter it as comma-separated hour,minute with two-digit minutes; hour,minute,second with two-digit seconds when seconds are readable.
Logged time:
3,19
